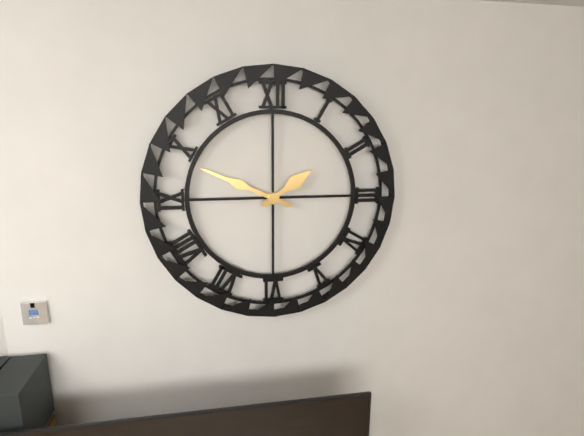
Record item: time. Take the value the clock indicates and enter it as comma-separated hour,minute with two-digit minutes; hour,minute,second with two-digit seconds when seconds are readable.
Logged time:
1,49
